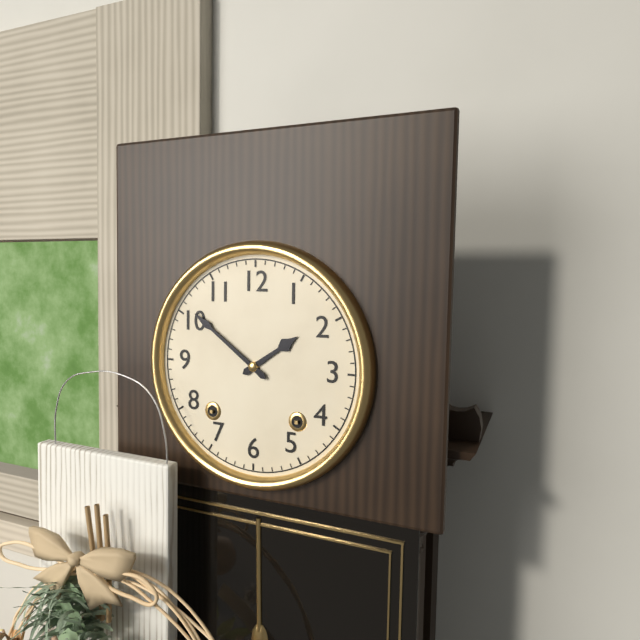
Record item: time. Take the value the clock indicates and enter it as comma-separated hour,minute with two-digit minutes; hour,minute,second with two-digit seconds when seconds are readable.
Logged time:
1,51
